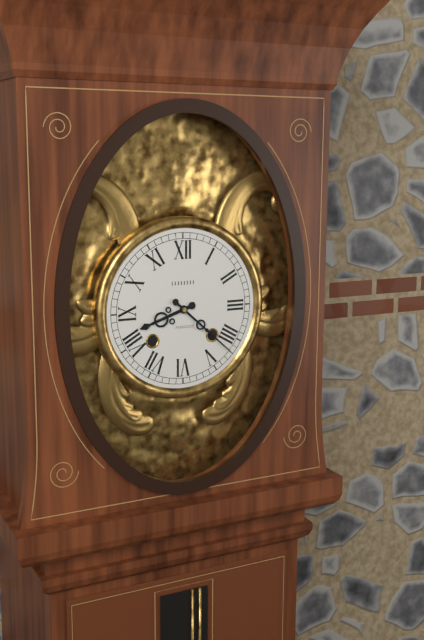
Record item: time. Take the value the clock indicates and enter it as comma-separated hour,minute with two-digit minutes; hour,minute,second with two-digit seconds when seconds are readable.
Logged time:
8,22
